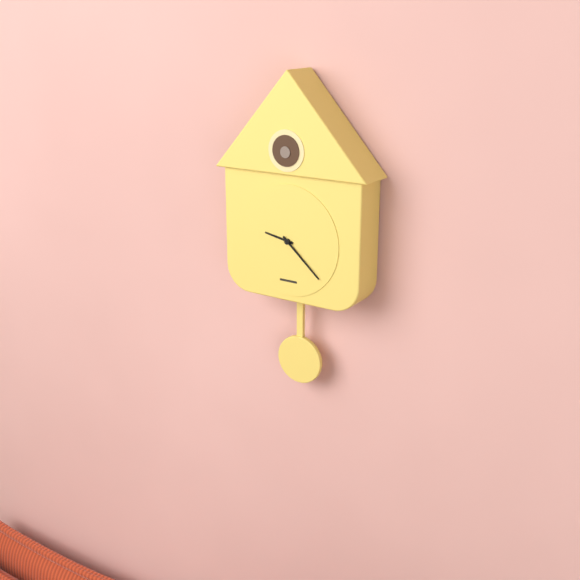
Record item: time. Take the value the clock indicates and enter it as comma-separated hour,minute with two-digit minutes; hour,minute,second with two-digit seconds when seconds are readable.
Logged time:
9,22
